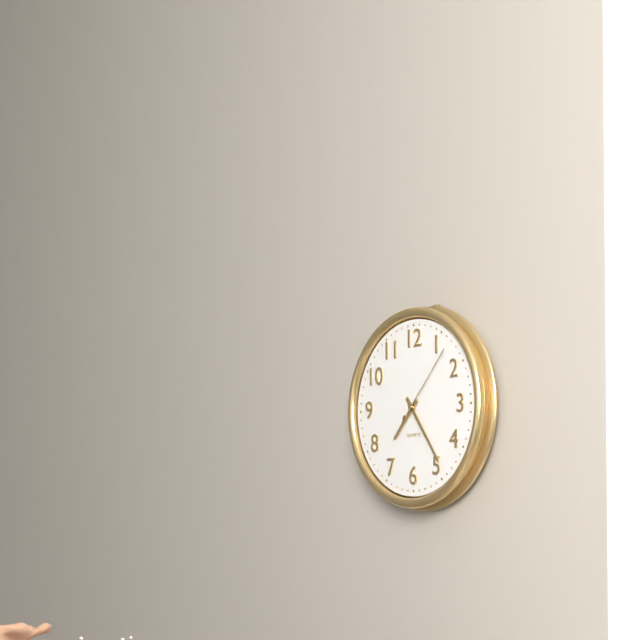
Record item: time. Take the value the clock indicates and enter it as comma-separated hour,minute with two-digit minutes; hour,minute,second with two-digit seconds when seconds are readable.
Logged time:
7,24,07
